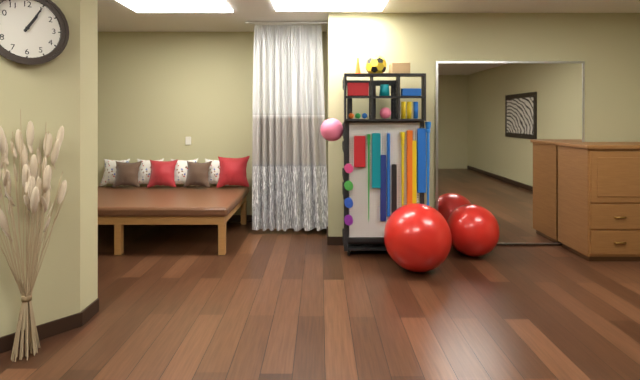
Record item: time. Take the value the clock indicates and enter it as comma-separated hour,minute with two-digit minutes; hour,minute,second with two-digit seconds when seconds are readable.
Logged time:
1,05
